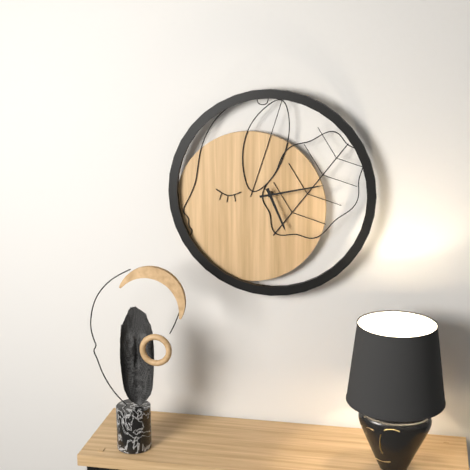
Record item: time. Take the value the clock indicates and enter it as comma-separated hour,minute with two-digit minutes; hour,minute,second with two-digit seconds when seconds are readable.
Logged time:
5,13
